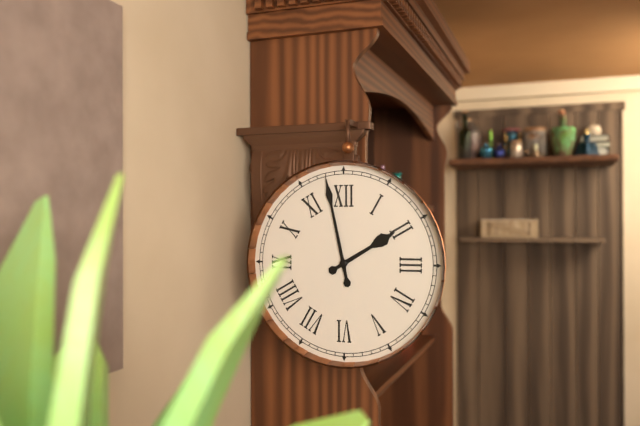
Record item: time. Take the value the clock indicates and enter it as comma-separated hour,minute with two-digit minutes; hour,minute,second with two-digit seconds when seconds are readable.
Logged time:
1,58
